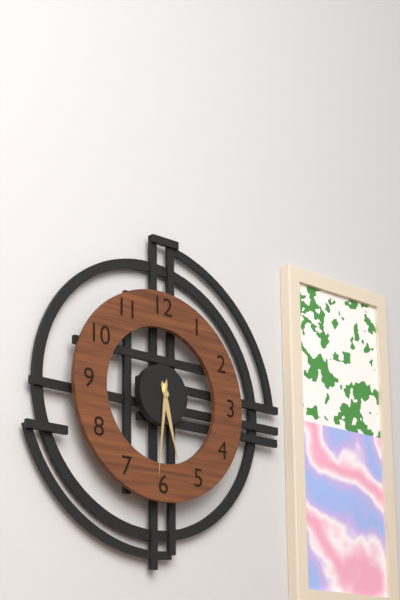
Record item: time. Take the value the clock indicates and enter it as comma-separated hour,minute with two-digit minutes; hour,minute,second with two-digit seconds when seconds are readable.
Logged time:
5,31
